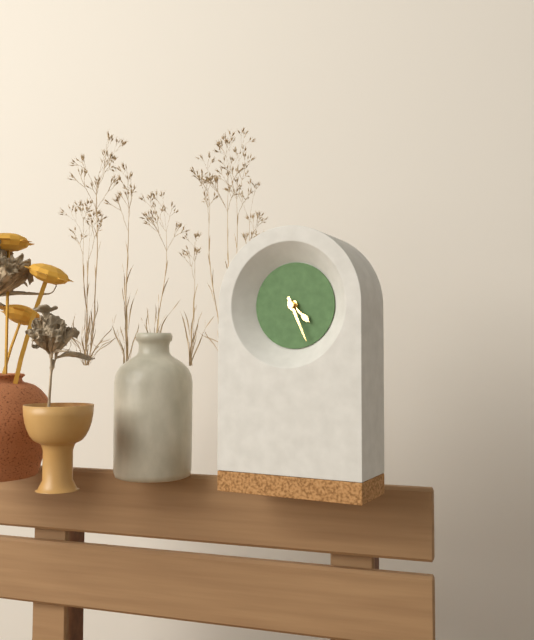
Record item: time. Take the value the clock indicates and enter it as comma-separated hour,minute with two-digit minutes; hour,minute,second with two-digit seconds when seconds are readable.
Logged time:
4,26
